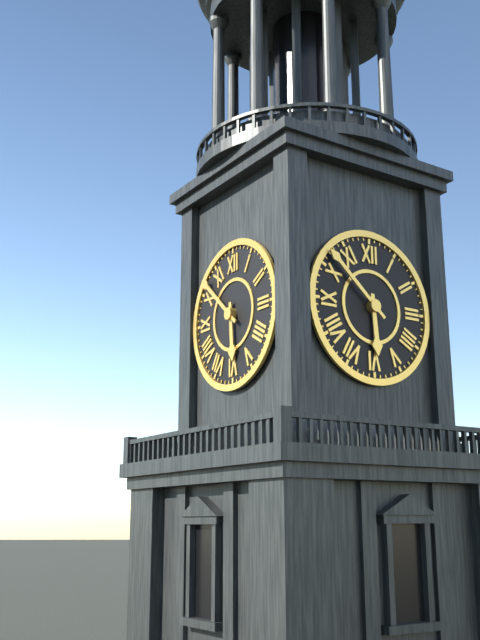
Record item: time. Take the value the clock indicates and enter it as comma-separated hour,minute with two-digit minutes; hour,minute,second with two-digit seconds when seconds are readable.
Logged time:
5,52
